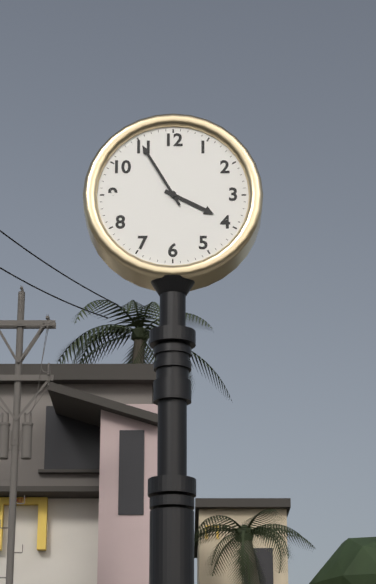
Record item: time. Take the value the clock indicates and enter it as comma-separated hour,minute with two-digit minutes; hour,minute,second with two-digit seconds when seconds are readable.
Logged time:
3,55
